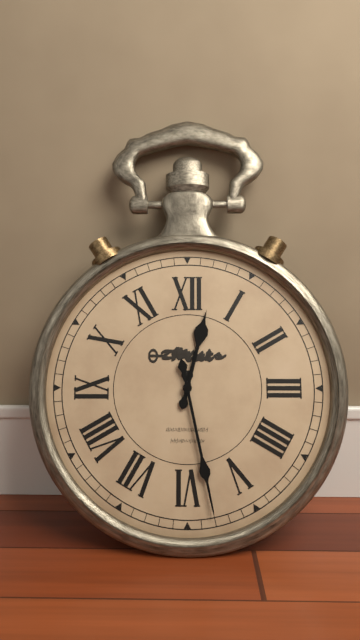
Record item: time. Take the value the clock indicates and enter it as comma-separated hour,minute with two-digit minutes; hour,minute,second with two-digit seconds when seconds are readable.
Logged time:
12,28
